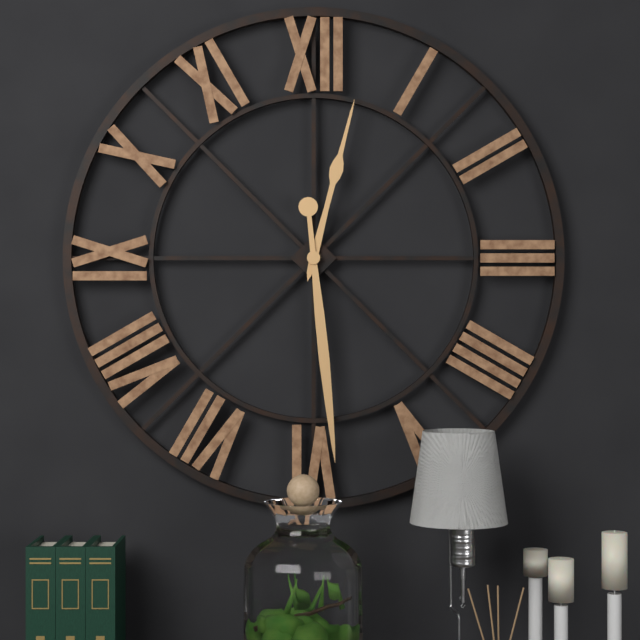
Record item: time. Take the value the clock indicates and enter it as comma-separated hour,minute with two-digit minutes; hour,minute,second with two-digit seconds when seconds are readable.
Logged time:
12,29
